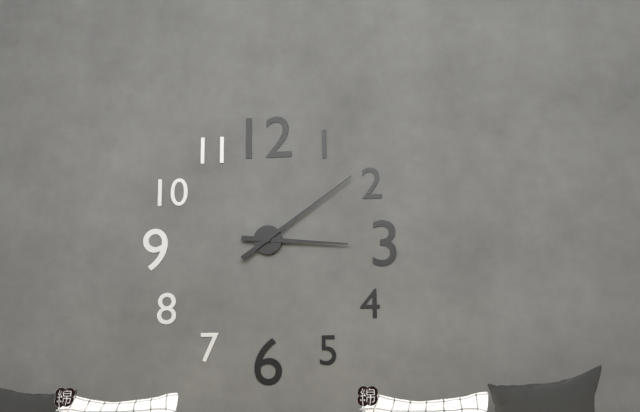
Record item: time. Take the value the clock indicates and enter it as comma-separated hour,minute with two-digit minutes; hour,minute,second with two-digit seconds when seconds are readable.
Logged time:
3,09
